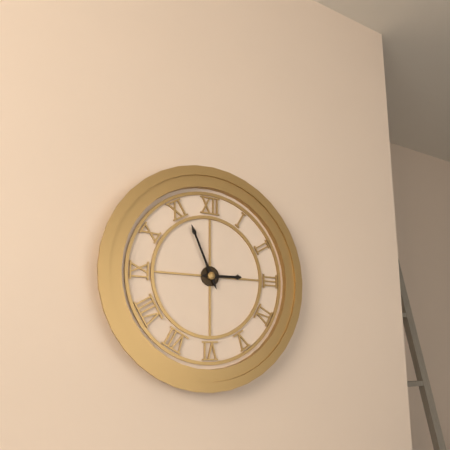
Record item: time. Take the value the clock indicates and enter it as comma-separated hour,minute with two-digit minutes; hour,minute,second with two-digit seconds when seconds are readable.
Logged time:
2,56
